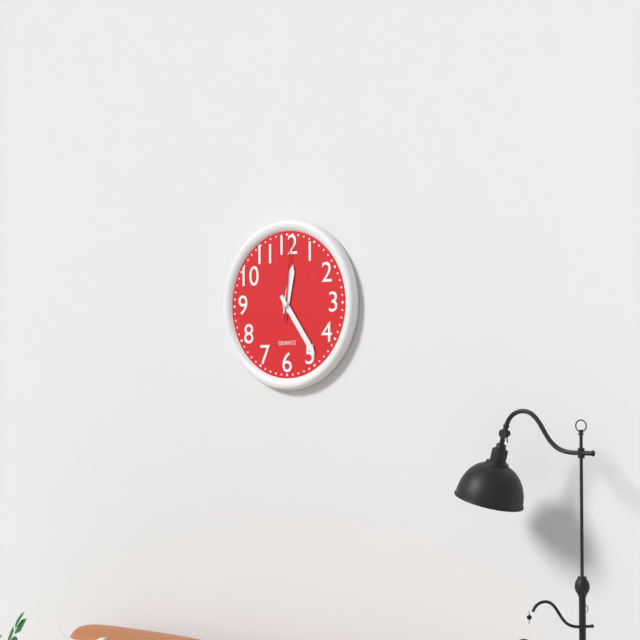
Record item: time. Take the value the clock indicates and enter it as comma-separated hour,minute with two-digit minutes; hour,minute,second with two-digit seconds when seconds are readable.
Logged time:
12,24,01
